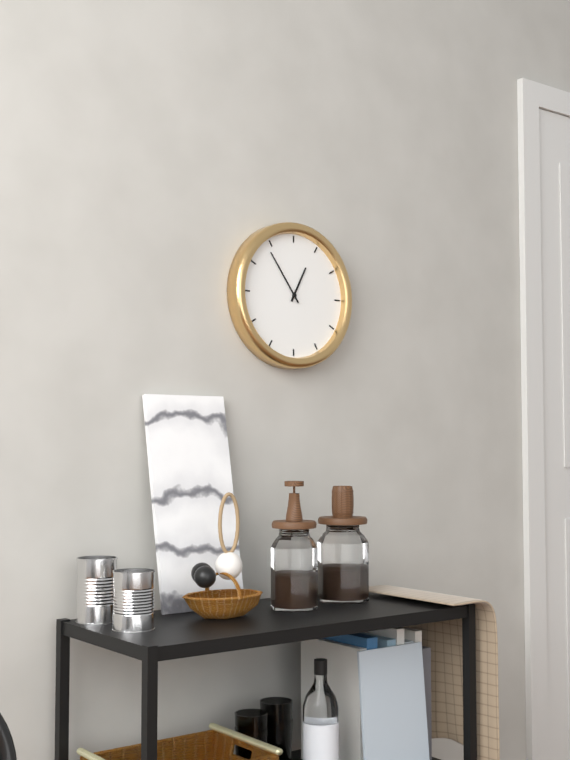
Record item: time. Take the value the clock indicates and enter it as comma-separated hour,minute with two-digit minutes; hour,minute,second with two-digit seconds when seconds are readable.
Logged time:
12,54
